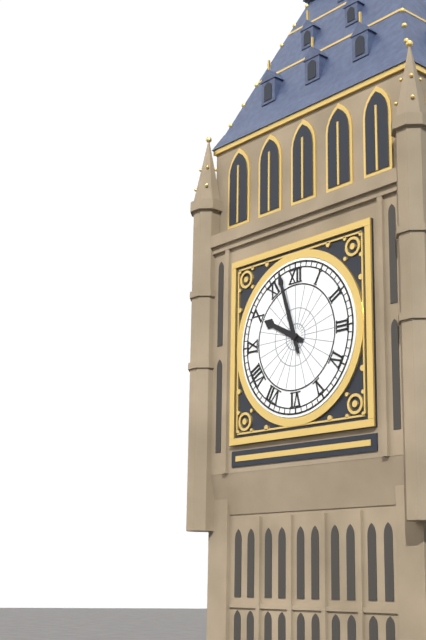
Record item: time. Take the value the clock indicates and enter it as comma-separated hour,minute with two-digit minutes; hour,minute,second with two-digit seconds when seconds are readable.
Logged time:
9,57
